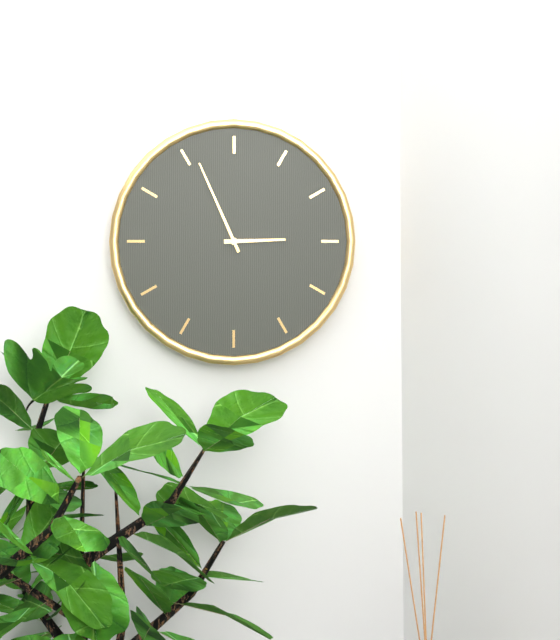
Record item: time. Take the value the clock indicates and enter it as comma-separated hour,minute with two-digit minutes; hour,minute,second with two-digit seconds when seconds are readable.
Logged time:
2,56
